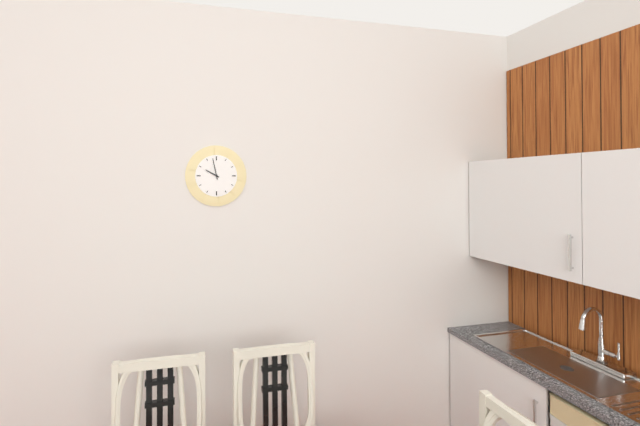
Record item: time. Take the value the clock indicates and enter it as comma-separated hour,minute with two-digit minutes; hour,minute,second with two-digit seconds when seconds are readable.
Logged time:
9,58
